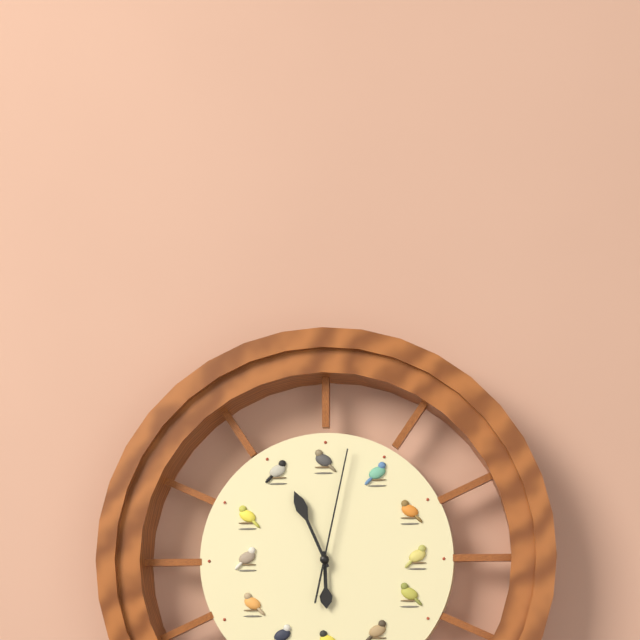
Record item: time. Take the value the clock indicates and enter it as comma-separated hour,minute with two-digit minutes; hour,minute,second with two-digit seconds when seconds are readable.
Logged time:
5,56,02
